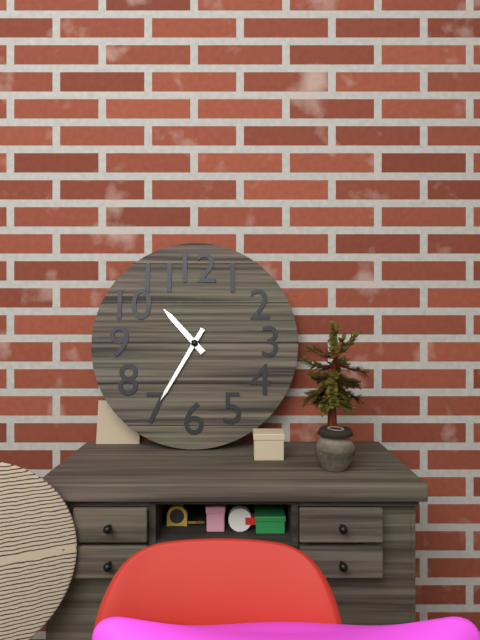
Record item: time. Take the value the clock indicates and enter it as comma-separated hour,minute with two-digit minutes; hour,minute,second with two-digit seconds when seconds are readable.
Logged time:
10,35
